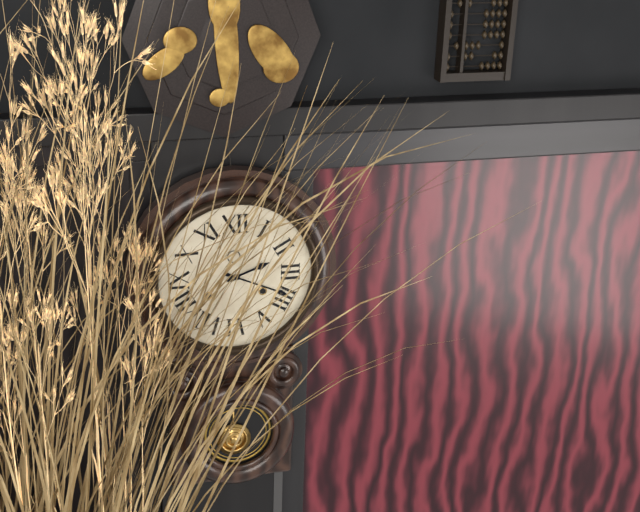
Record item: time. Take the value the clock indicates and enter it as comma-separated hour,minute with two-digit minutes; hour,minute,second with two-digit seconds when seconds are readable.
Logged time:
2,19
